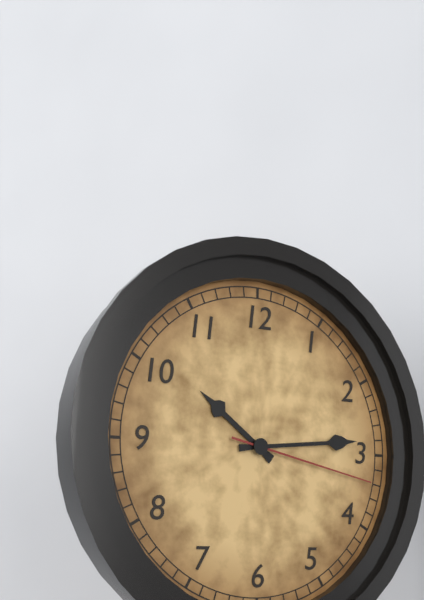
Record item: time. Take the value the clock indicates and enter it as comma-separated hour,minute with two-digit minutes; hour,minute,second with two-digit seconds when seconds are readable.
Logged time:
10,14,17
